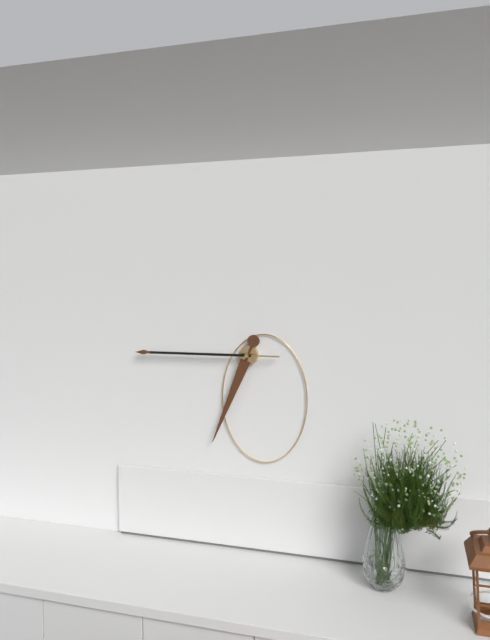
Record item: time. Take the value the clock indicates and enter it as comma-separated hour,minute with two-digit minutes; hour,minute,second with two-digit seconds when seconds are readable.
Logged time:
6,45
